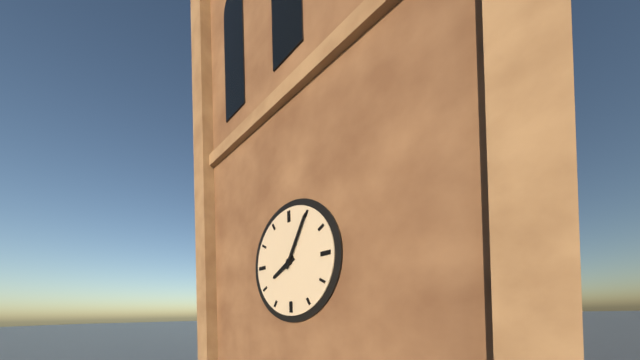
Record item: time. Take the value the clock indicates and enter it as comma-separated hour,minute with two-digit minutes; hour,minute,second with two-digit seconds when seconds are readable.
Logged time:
8,05
